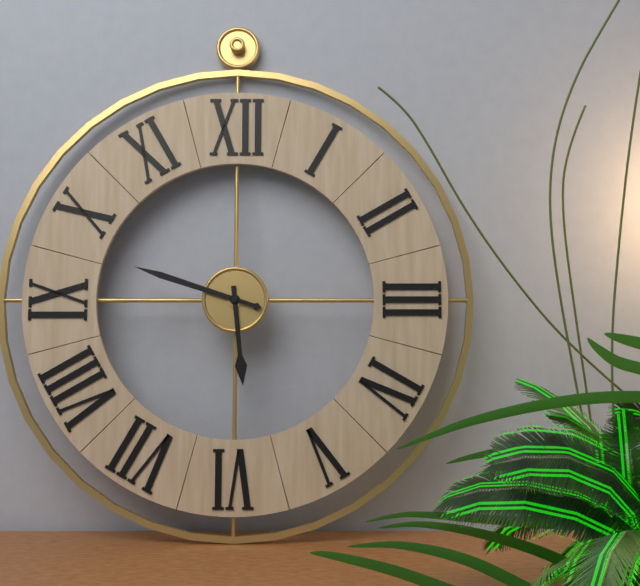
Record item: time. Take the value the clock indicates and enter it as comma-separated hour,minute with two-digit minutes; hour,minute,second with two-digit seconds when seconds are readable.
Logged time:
5,48
